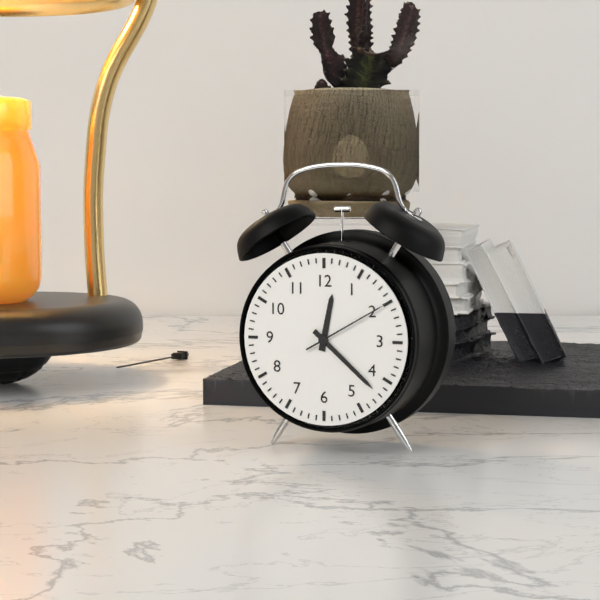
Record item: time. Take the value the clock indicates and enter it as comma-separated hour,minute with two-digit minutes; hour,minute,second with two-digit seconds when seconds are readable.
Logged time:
12,22,10
